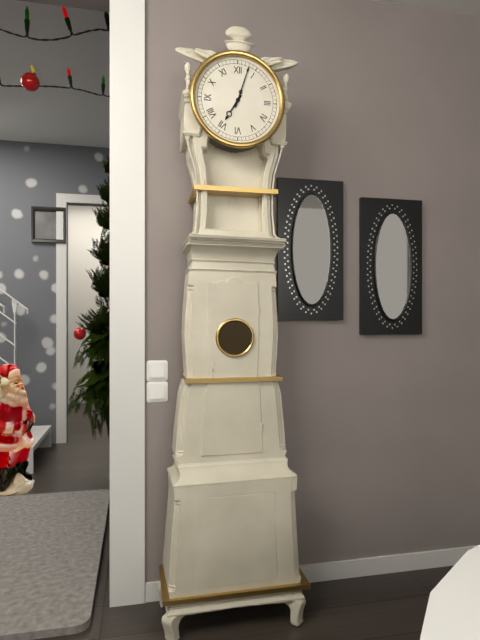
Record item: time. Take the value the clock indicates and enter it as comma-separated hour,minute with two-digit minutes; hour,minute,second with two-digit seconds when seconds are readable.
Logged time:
7,03
